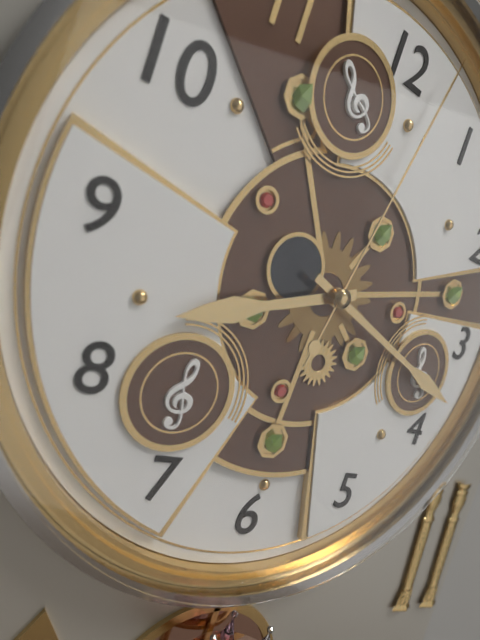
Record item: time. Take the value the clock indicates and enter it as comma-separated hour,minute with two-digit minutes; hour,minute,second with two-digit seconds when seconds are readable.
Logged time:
8,18,02
